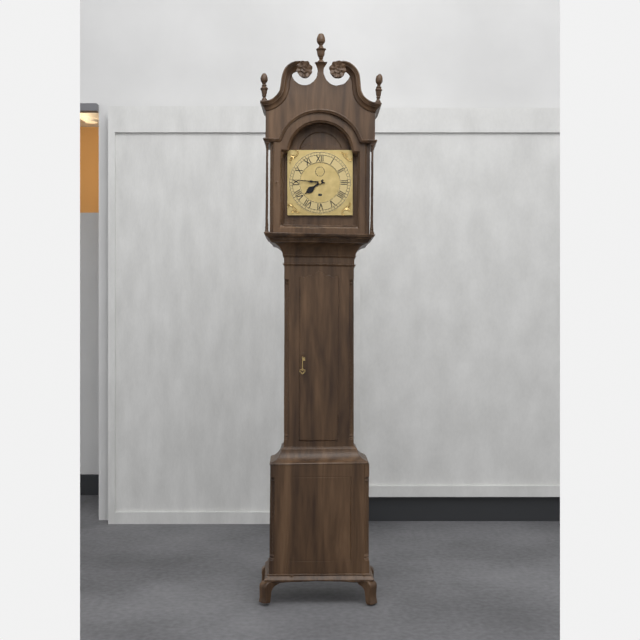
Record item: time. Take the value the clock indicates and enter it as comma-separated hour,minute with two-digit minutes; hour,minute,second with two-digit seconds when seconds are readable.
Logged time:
7,46
